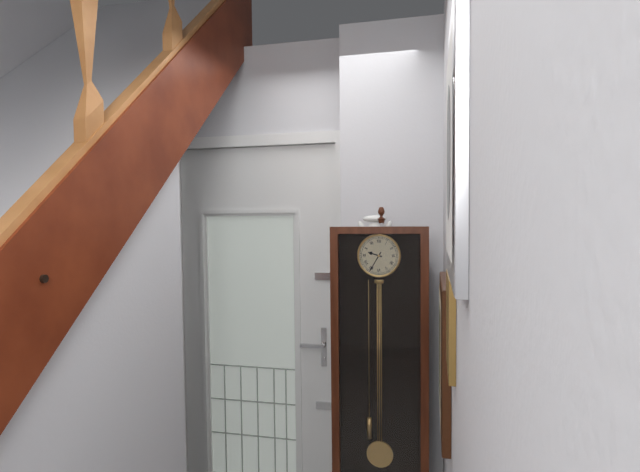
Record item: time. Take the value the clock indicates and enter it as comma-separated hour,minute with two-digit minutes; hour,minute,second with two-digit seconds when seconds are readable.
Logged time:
9,35
